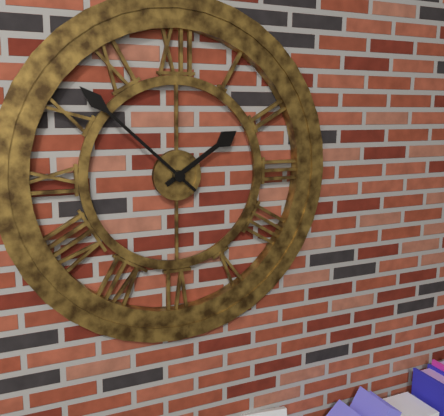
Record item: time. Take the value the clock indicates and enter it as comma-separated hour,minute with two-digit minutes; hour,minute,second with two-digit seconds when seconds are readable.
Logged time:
1,52
